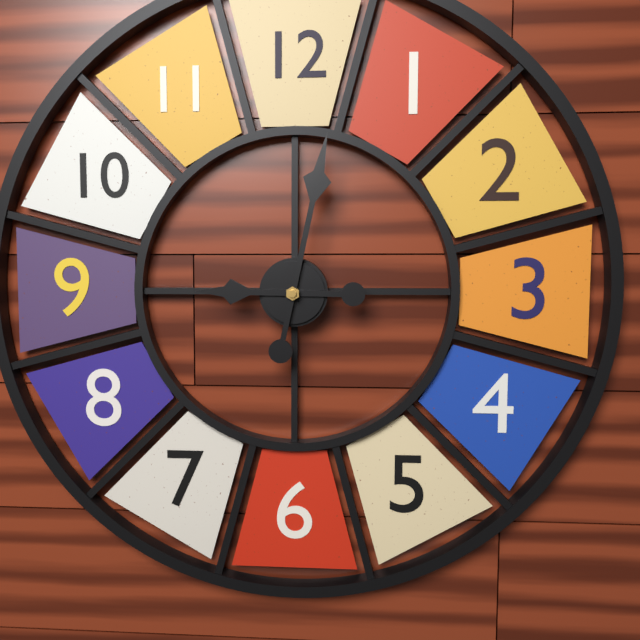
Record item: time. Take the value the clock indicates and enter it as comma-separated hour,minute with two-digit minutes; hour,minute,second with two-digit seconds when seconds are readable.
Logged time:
9,02
